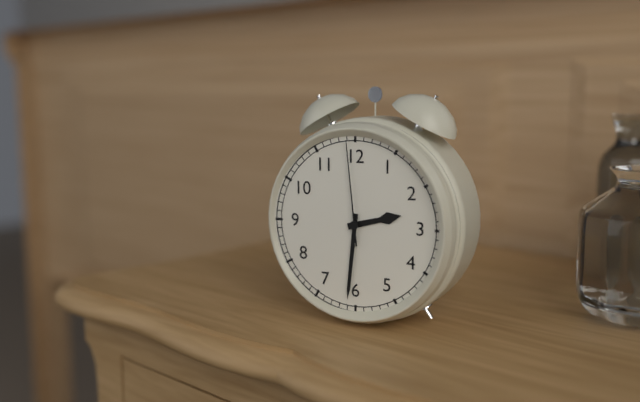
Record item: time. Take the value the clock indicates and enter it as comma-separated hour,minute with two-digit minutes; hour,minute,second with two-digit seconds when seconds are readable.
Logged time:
2,31,59
